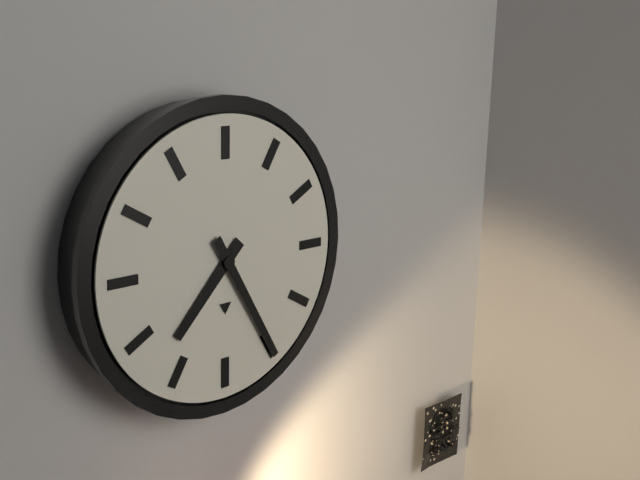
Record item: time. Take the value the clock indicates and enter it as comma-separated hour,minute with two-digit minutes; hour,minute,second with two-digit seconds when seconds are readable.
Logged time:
7,25
